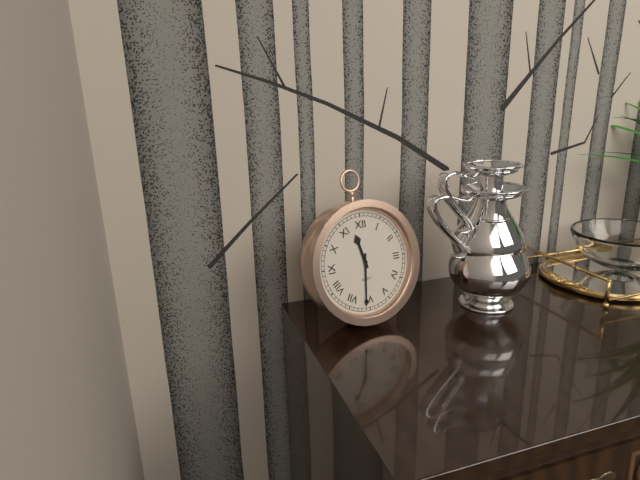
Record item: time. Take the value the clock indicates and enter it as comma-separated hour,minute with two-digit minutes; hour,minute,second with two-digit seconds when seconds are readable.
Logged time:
11,31
